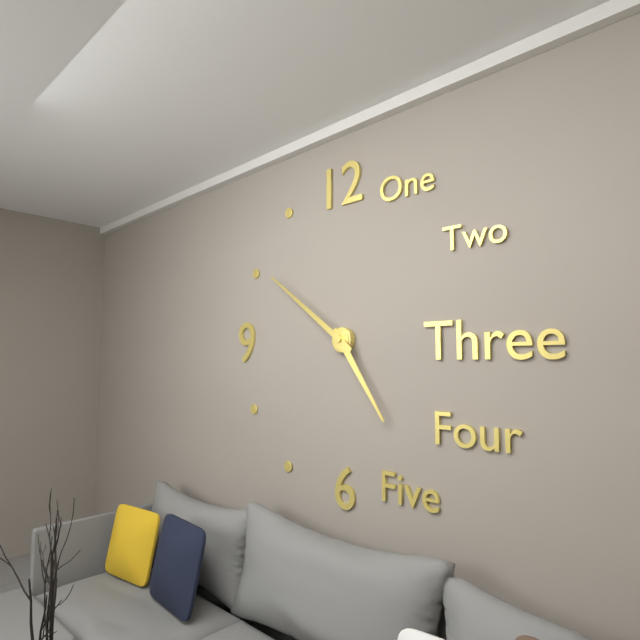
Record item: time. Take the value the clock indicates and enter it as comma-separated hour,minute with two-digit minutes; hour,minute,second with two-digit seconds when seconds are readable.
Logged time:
4,51
